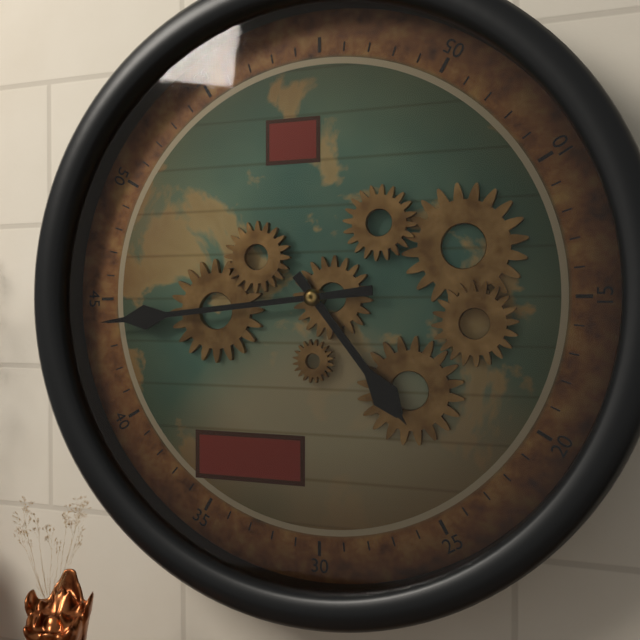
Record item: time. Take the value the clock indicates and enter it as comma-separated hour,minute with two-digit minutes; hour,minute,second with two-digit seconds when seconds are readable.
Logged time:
4,44
